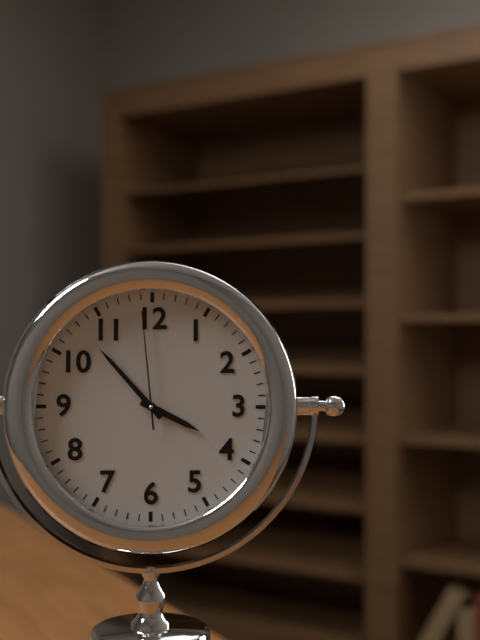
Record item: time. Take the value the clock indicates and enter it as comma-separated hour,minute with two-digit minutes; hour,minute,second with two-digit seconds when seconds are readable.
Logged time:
3,53,59
